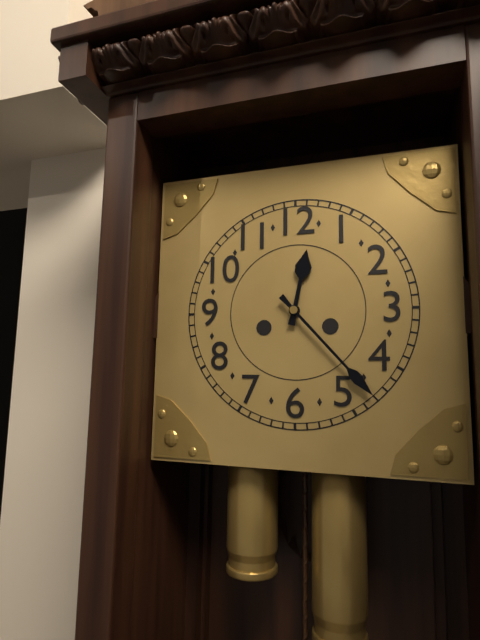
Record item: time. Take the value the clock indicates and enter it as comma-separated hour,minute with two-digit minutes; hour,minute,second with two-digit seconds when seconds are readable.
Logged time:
12,23
